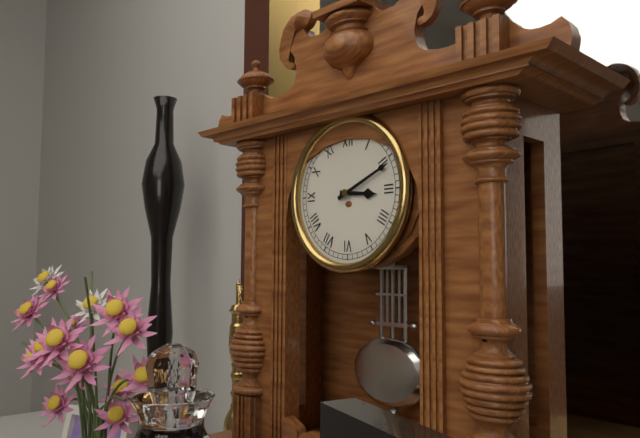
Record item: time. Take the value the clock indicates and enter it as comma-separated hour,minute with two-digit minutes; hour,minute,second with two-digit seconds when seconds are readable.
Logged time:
3,11
